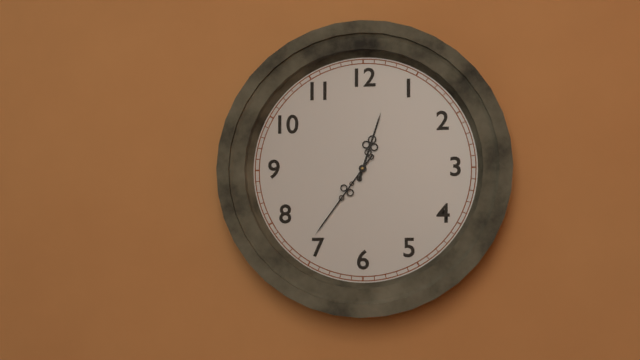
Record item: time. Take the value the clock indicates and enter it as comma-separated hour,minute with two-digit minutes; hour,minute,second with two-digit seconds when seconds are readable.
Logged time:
12,36
